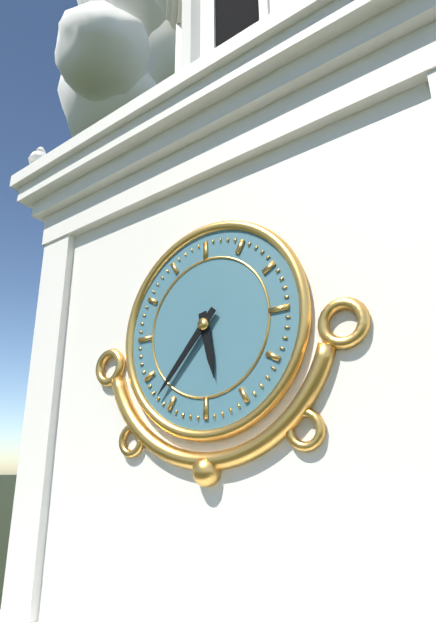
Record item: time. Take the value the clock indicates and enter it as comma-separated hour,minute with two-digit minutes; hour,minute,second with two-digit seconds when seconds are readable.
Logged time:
5,37
